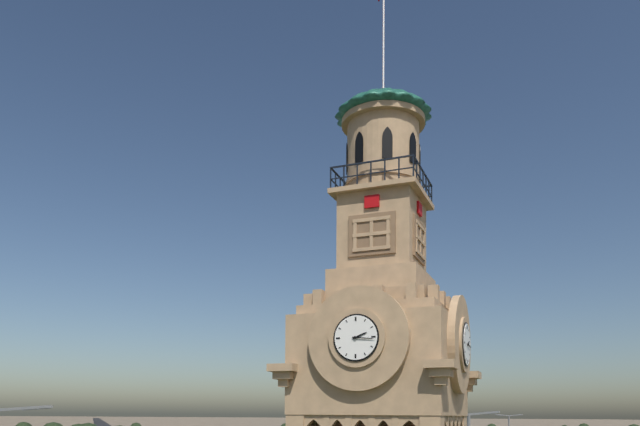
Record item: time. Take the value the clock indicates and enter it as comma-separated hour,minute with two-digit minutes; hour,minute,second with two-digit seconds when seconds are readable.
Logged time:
2,16
